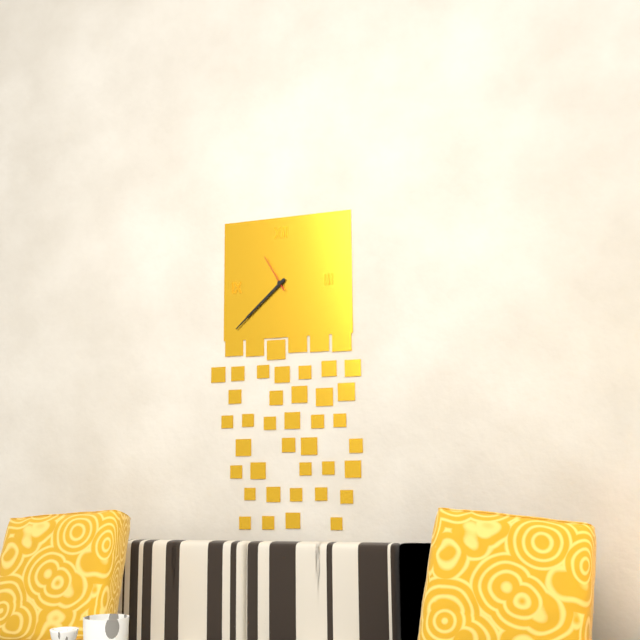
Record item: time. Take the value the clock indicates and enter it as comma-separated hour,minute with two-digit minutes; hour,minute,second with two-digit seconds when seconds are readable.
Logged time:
7,38
